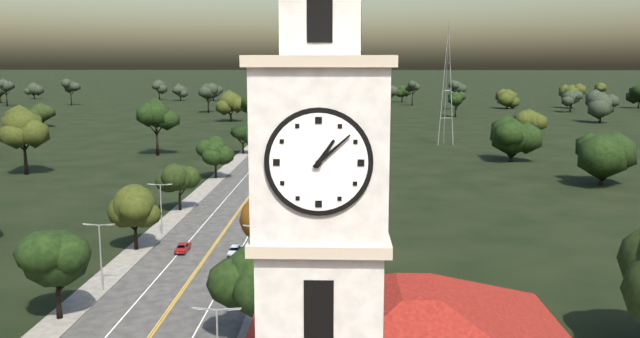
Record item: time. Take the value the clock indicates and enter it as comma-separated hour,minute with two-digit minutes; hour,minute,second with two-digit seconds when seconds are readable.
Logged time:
1,08
